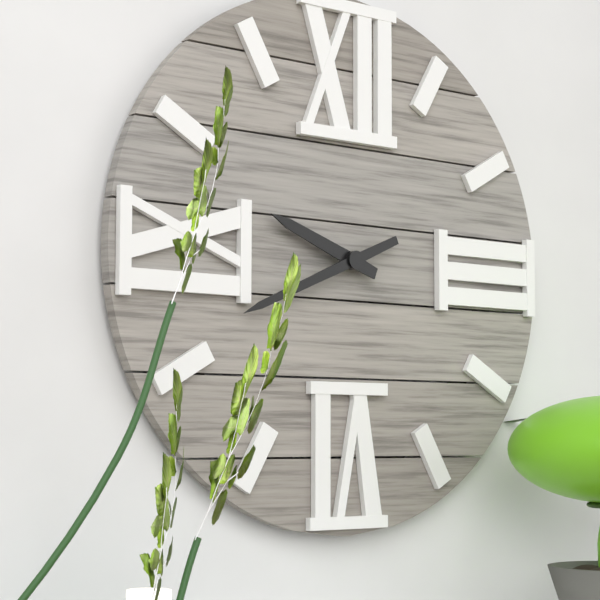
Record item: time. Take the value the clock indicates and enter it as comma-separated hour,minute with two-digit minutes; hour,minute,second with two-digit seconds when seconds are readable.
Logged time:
9,41
